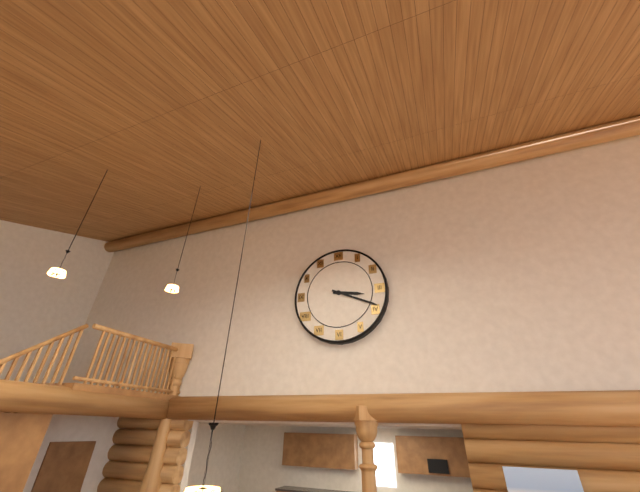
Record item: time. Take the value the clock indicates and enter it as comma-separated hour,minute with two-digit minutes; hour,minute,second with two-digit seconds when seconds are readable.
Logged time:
3,19
